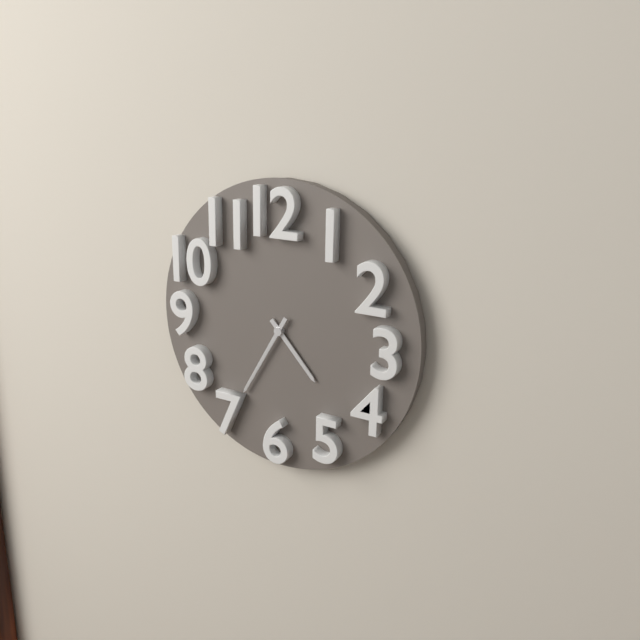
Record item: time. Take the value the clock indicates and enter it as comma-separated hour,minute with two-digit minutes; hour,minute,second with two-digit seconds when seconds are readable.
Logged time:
4,35
